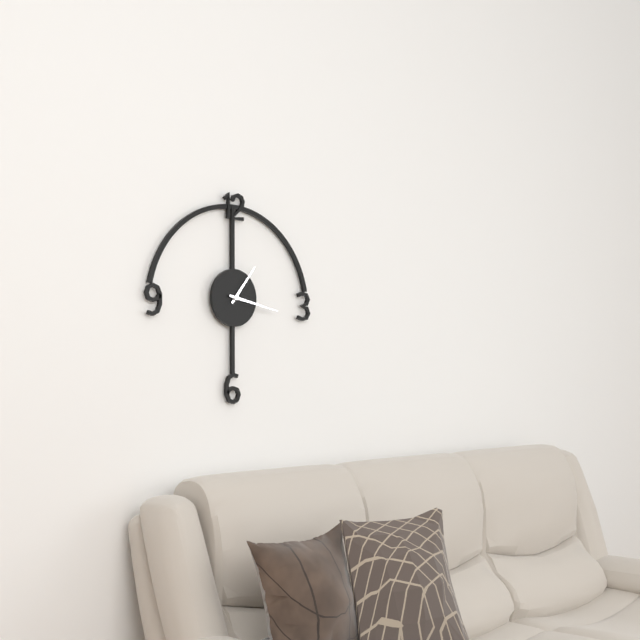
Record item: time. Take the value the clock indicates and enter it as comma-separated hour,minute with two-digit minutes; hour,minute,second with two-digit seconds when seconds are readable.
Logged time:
1,17
